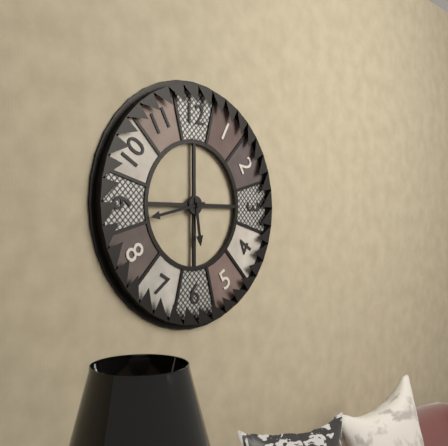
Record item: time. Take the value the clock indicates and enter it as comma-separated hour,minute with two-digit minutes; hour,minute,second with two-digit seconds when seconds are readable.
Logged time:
5,43
